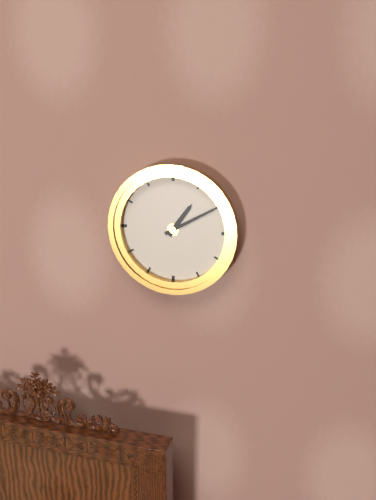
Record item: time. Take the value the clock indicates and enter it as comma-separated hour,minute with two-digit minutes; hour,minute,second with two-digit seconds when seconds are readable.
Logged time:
1,10
